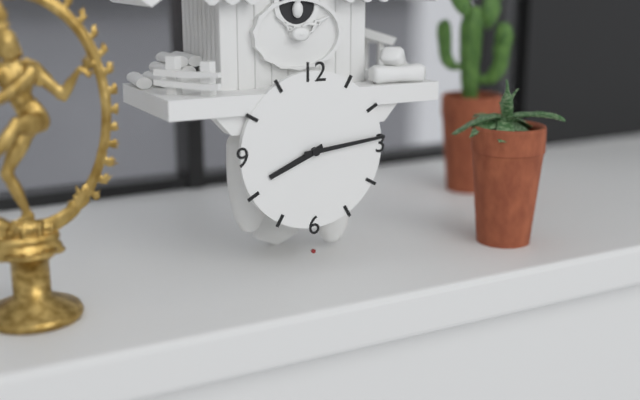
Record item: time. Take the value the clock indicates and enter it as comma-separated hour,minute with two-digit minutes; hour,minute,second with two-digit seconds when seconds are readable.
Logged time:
8,14
